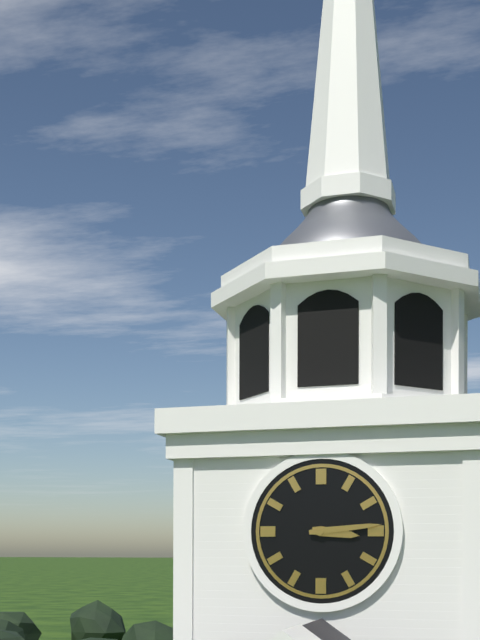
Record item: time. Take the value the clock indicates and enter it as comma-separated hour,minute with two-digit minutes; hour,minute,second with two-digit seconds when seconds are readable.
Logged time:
3,14
